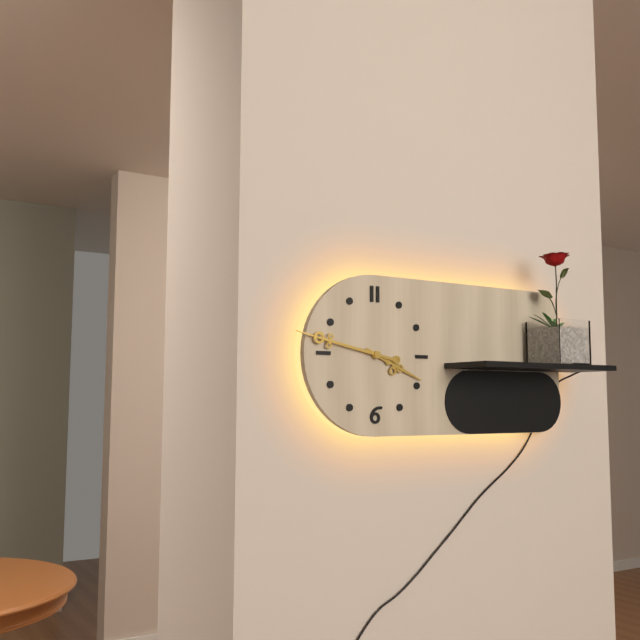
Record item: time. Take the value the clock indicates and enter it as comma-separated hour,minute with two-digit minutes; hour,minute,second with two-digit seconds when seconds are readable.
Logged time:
3,47
